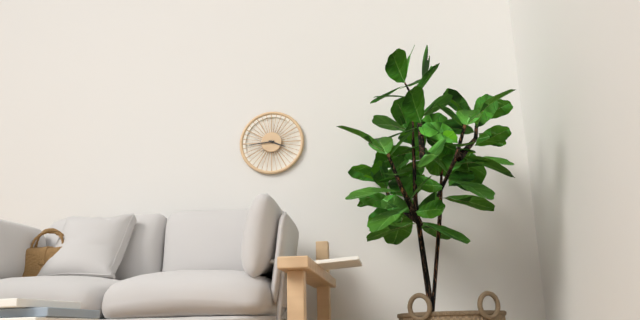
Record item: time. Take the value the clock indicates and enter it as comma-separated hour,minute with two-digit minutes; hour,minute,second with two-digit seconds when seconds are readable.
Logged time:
3,44
